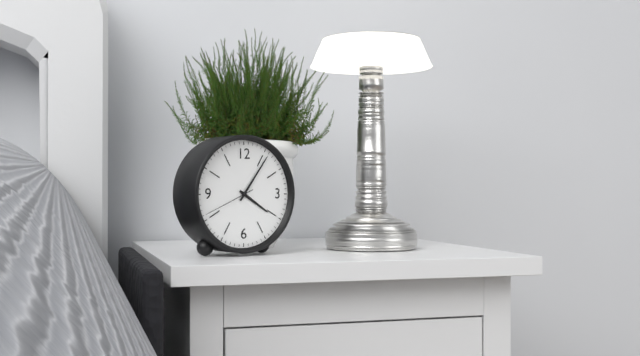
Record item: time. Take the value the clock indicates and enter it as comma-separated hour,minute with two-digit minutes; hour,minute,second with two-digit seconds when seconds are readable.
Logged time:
4,06,41
